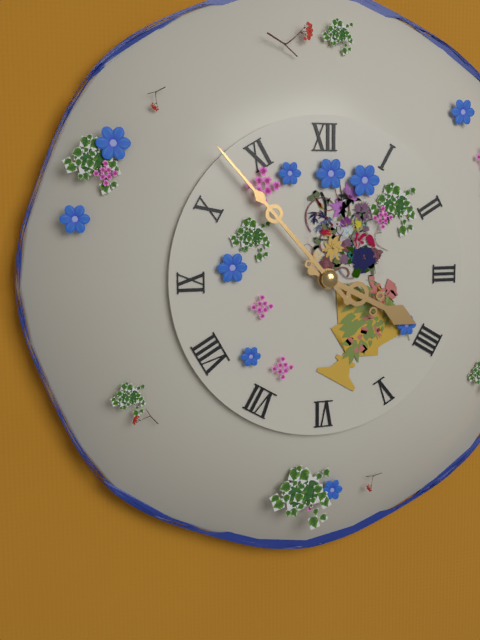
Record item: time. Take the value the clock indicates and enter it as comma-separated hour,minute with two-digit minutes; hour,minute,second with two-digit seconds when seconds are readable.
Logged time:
3,53
